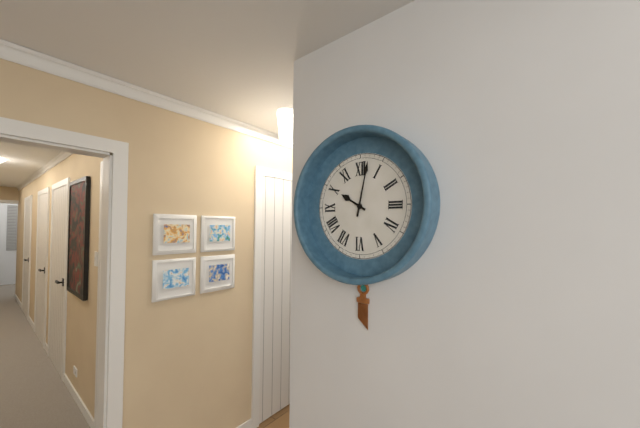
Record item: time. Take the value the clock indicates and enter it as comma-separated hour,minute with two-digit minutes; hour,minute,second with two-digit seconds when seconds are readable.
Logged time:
10,02
